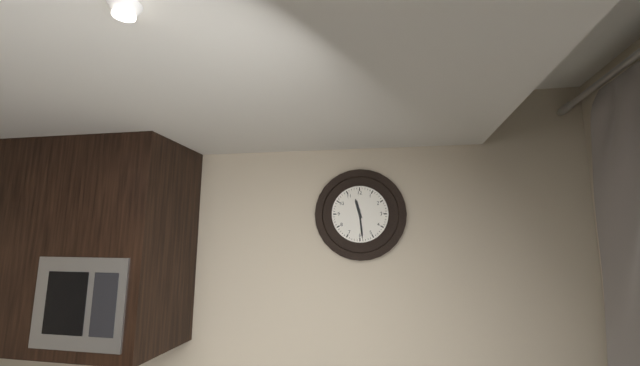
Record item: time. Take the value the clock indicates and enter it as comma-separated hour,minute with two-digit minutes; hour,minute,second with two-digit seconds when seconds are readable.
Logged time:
11,29
